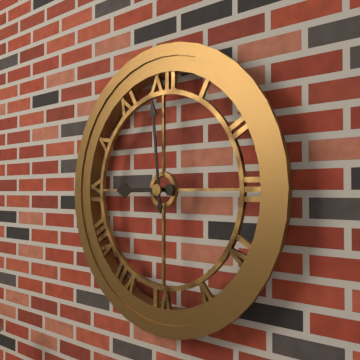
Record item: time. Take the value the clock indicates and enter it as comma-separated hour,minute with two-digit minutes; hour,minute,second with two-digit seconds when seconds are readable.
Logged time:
8,59
